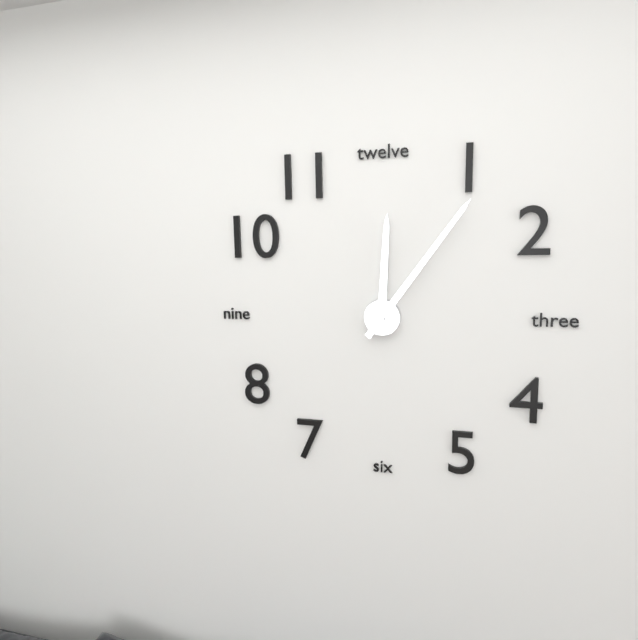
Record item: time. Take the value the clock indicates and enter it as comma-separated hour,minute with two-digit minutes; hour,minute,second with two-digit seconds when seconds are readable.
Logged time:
12,06
